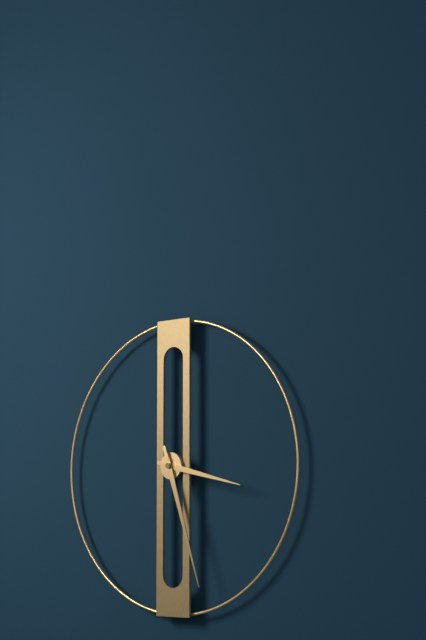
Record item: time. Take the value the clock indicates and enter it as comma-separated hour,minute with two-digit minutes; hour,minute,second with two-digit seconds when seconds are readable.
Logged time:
3,27
